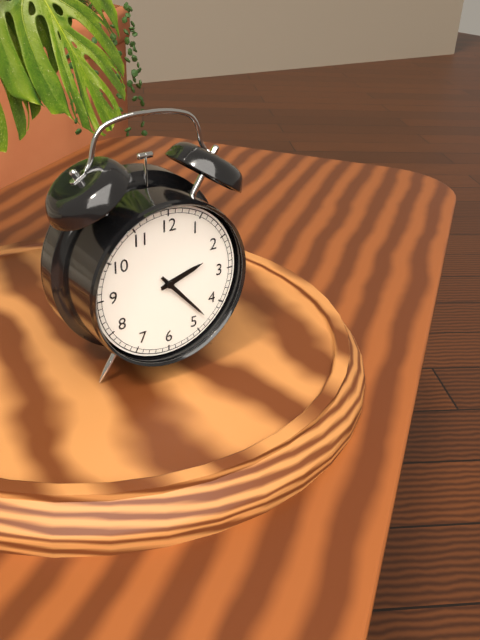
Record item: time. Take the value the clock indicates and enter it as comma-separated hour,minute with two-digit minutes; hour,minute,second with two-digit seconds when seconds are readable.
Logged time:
2,23
